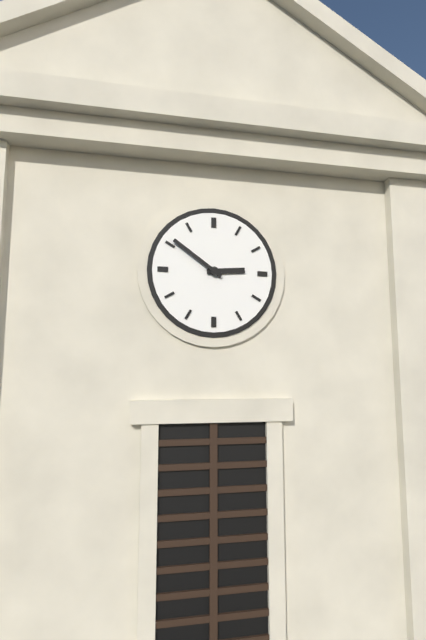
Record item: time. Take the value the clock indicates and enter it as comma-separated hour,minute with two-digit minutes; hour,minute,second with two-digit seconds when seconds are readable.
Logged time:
2,51
